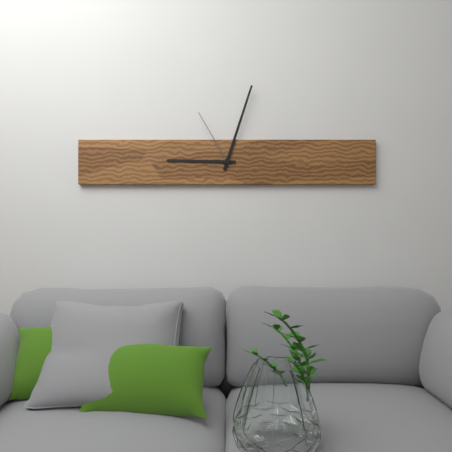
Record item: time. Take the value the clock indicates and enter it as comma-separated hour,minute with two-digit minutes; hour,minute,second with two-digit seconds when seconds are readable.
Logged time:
9,03,55
